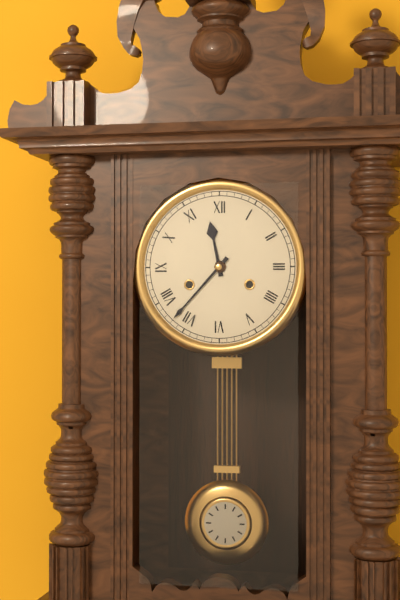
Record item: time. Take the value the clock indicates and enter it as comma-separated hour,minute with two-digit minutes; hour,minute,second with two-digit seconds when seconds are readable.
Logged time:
11,37
